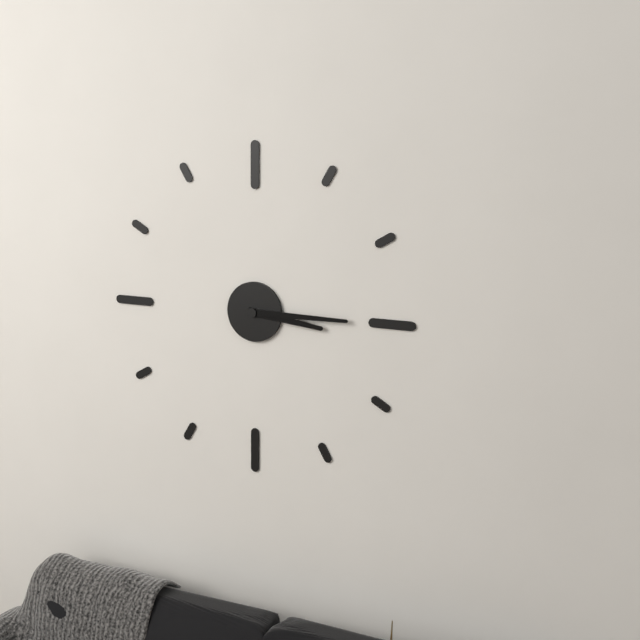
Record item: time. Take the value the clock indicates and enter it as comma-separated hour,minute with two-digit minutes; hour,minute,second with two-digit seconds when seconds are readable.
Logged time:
3,15
